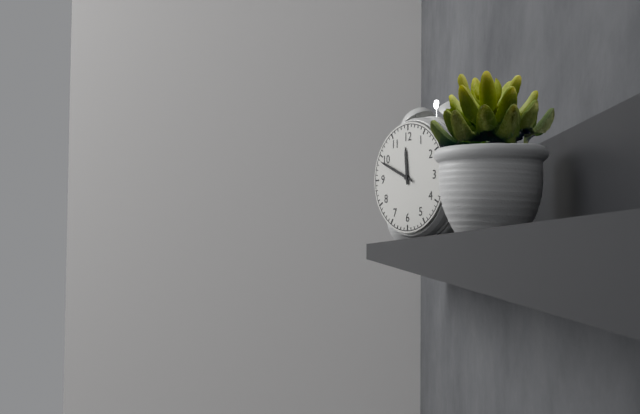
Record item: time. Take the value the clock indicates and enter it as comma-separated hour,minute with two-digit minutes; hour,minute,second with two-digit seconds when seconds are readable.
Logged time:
11,49
